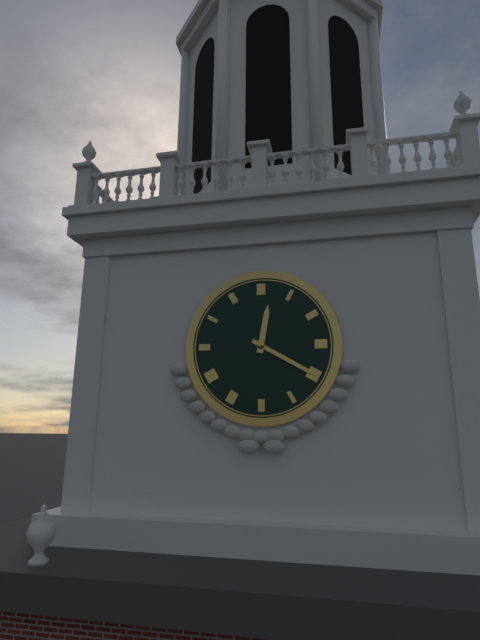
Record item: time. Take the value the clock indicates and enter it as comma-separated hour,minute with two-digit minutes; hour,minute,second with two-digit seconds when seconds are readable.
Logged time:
12,20
